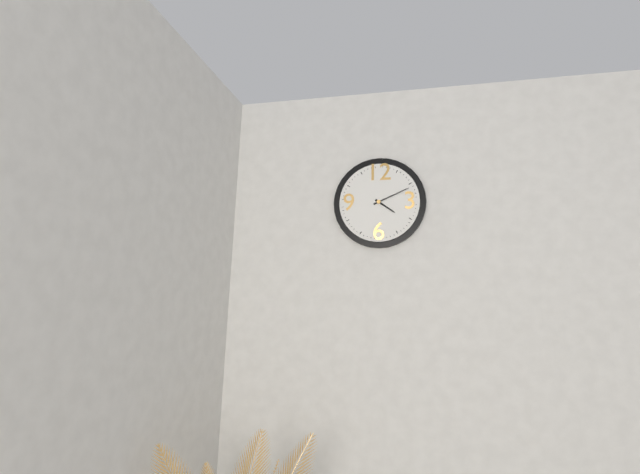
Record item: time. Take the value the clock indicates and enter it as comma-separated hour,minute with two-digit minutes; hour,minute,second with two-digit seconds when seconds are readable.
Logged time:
4,11
